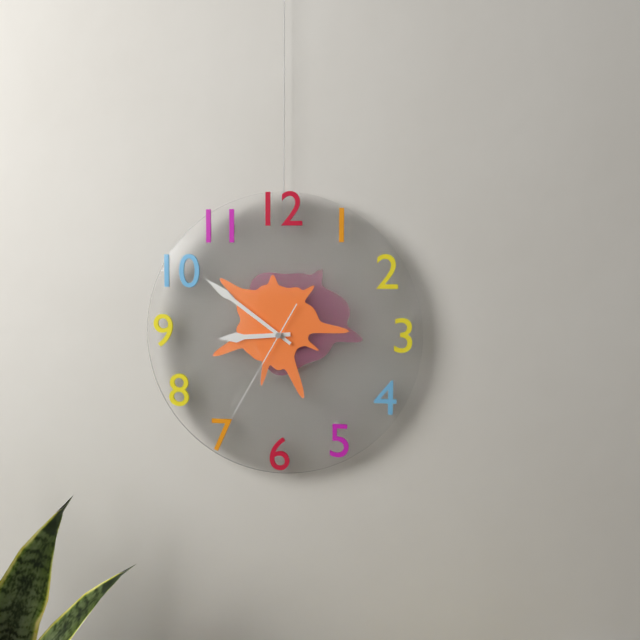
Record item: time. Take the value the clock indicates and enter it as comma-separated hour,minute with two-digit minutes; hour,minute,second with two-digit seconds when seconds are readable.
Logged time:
8,51,35
